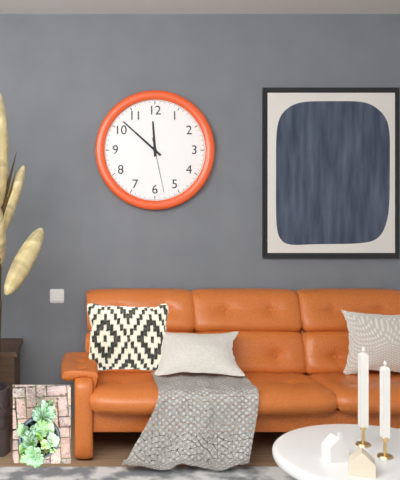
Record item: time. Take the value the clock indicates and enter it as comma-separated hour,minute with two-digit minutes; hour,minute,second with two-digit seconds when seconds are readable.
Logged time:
11,52,28
